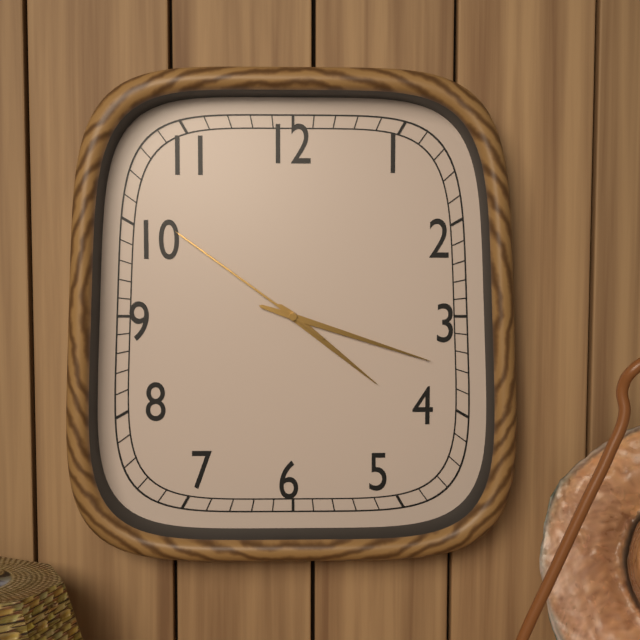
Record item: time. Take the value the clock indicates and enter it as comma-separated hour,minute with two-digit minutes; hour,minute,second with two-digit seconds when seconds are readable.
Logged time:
4,18,51
